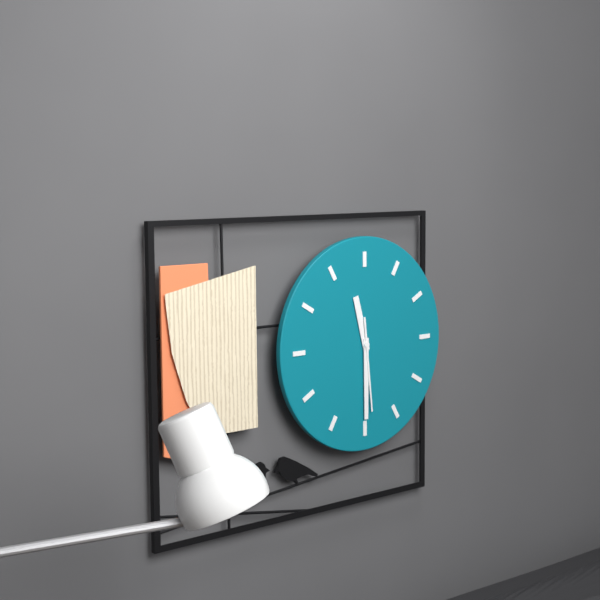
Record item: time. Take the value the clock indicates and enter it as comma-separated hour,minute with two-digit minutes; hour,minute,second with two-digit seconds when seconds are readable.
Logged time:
11,30,29
